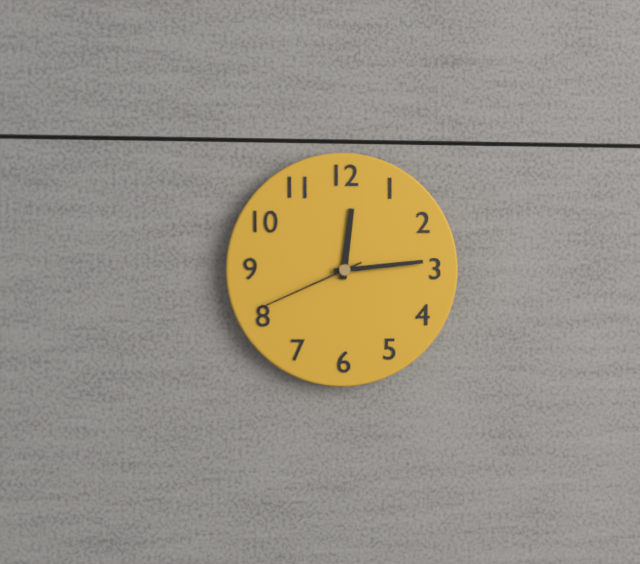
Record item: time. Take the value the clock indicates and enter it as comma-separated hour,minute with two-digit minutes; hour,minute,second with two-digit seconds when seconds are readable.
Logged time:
12,14,41
